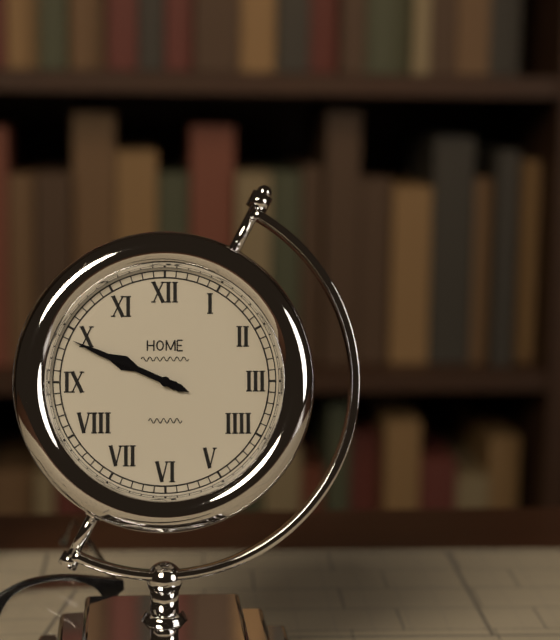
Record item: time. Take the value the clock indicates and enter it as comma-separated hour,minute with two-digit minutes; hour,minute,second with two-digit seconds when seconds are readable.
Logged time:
9,49
